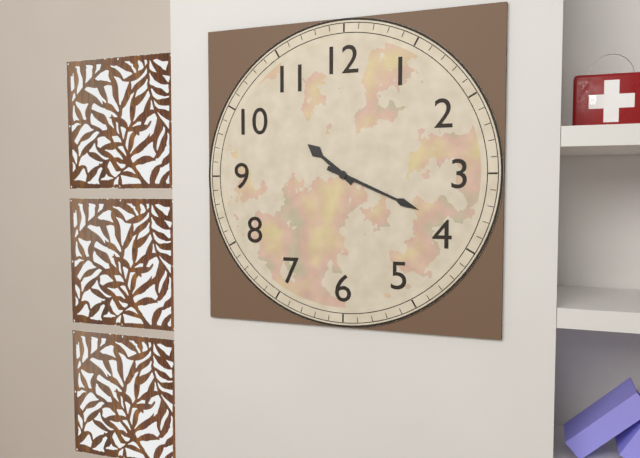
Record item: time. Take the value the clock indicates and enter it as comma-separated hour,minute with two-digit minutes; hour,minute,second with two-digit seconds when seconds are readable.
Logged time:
10,19
